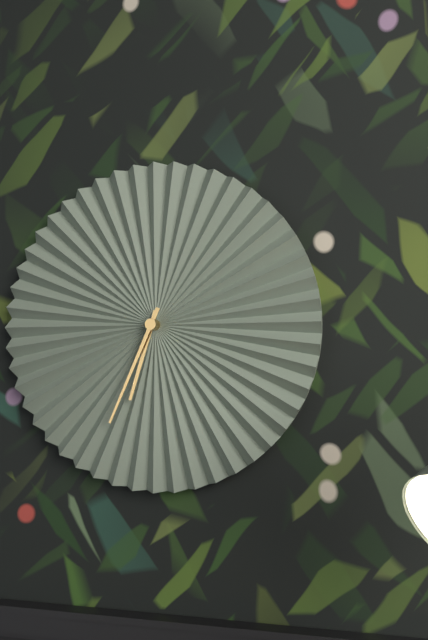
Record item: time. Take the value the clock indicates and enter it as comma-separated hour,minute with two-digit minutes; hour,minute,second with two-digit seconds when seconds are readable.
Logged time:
6,34
